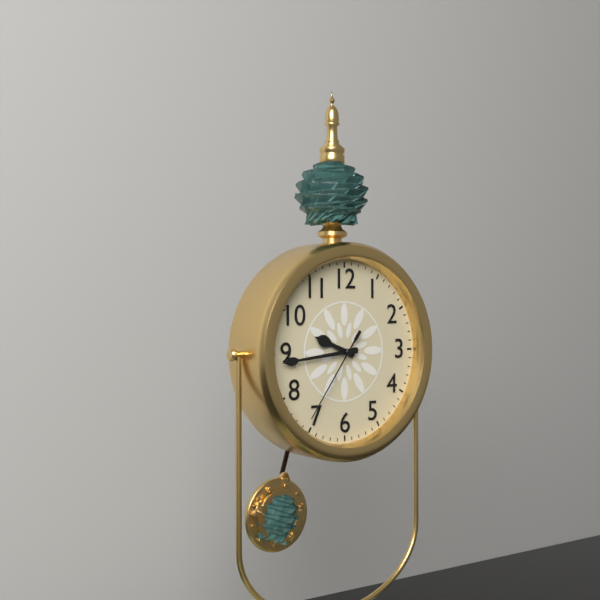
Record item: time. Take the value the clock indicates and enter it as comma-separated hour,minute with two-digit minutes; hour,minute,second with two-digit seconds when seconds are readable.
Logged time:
9,44,36
